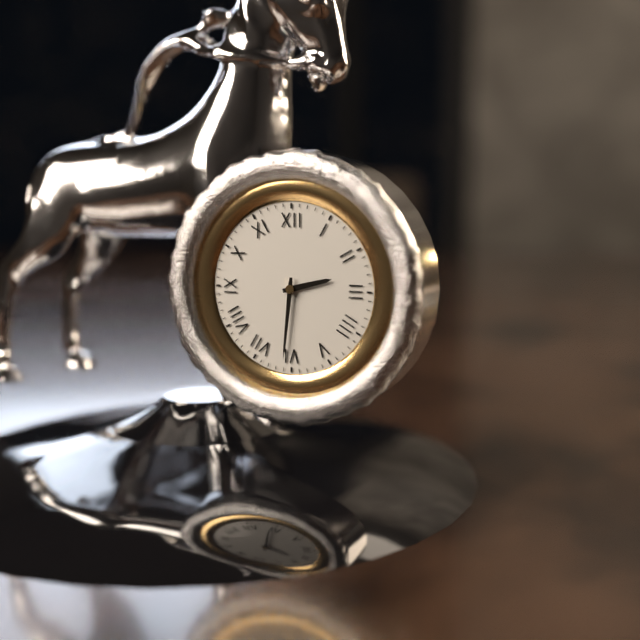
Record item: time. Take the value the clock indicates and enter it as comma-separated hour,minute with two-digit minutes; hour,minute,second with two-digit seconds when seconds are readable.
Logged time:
2,31
